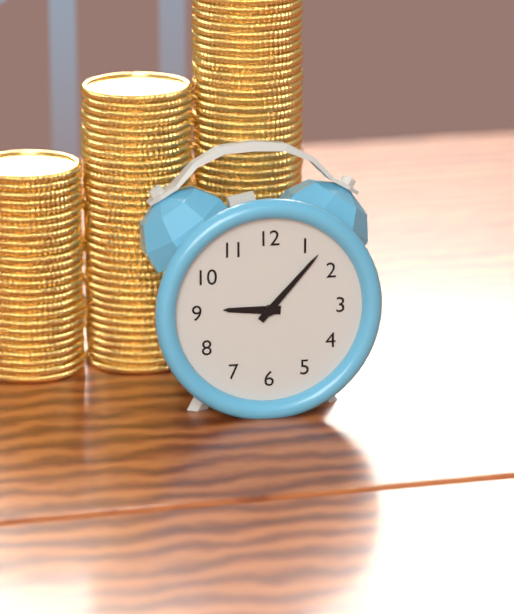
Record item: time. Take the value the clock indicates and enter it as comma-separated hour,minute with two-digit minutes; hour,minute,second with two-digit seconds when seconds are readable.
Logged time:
9,07
